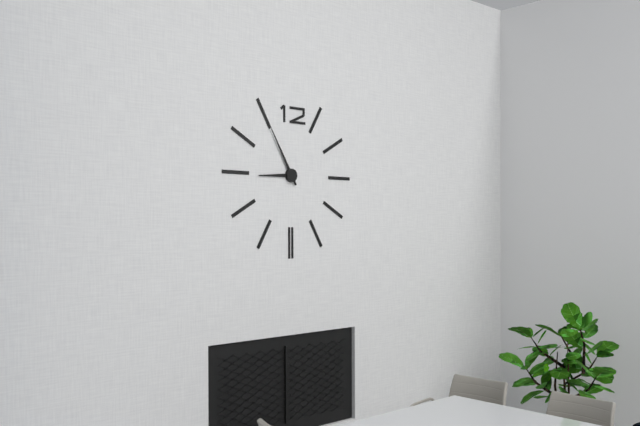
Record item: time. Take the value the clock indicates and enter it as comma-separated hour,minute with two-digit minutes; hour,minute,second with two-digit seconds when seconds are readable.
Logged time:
8,55
